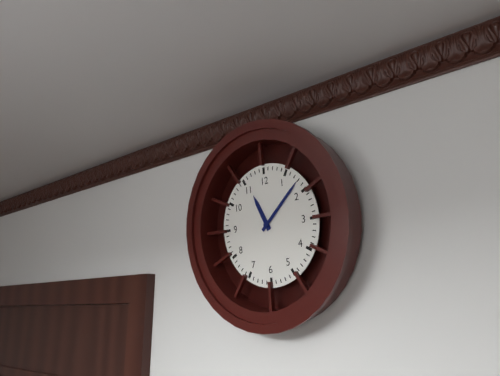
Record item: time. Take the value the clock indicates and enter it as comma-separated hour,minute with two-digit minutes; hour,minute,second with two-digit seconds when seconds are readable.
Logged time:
11,08
